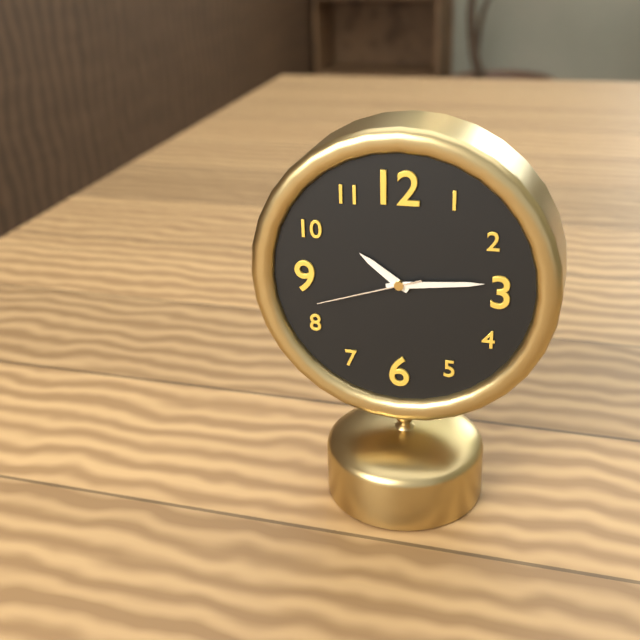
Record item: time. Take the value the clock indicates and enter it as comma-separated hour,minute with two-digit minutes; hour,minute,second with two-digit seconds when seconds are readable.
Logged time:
10,14,42
